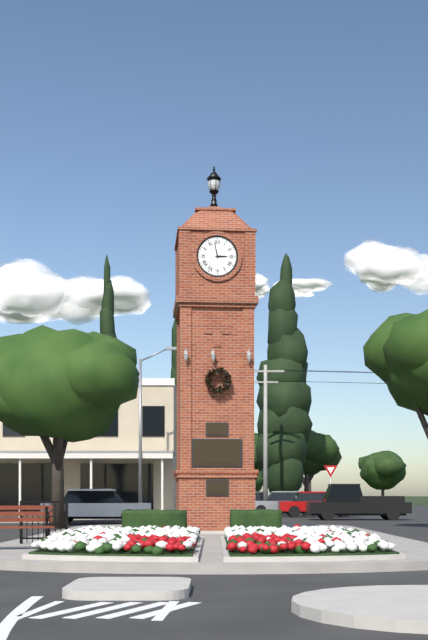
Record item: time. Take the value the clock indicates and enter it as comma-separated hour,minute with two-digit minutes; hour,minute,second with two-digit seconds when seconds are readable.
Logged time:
2,58
